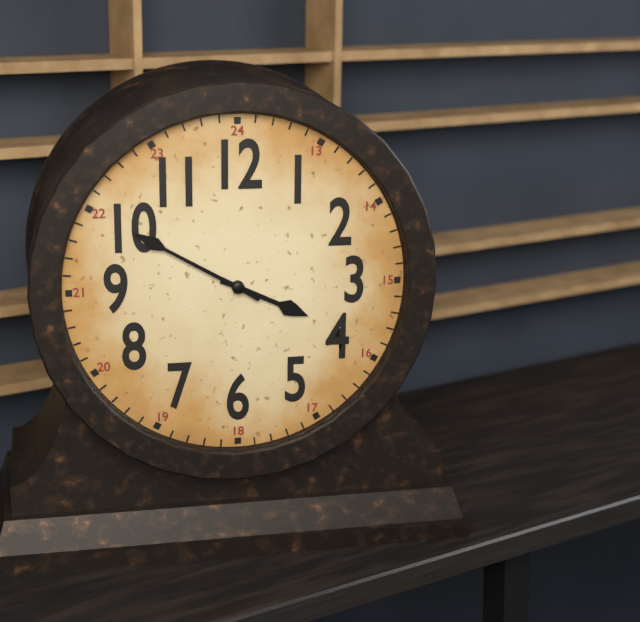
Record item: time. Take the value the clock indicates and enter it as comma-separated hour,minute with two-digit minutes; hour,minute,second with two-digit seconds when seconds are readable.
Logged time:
3,50
